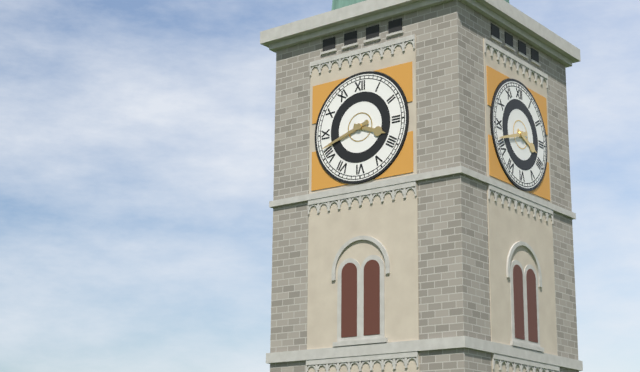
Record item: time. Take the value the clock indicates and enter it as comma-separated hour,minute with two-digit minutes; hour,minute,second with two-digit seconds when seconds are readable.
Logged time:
3,42
